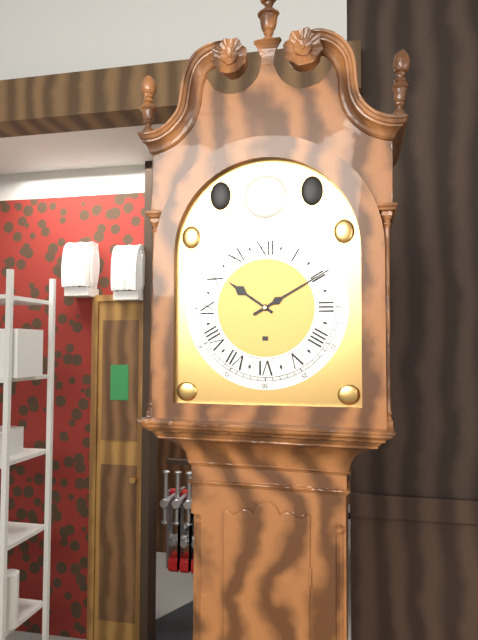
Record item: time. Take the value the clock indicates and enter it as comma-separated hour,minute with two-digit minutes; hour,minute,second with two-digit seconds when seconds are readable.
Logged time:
10,10
